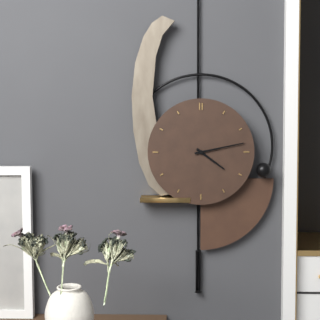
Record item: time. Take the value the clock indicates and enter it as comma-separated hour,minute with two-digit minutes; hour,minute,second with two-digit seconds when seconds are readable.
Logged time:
4,13
